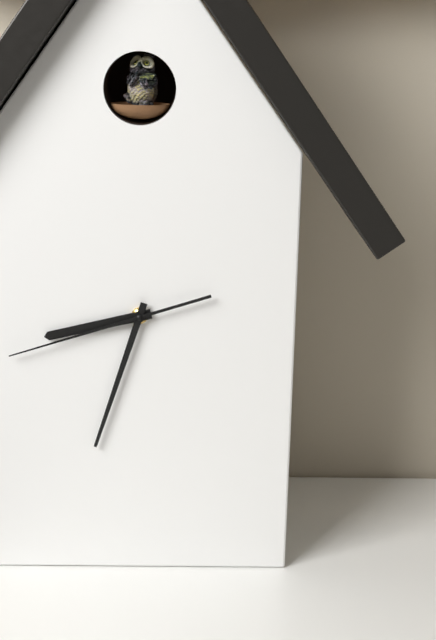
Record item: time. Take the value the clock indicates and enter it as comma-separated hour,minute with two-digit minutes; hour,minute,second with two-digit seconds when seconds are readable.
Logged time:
8,33,42
